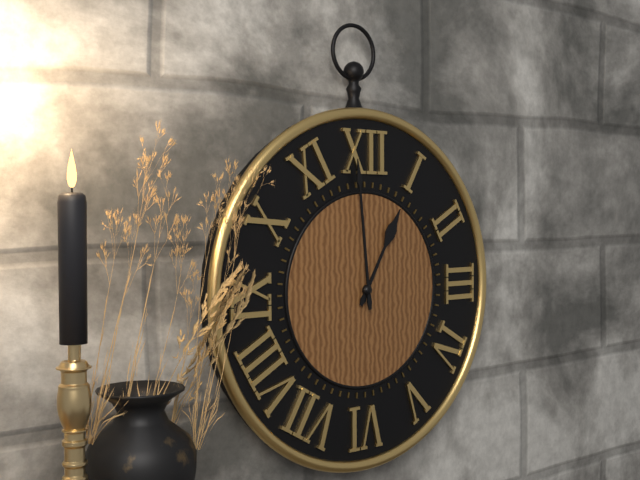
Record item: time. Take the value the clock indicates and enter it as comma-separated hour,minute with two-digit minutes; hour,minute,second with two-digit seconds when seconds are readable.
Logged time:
12,59
